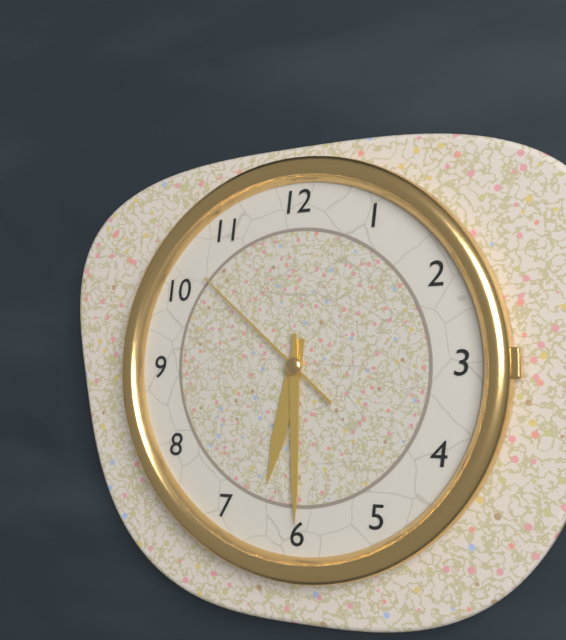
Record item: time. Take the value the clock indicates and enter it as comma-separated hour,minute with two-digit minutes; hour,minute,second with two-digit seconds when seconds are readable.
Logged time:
6,30,52
